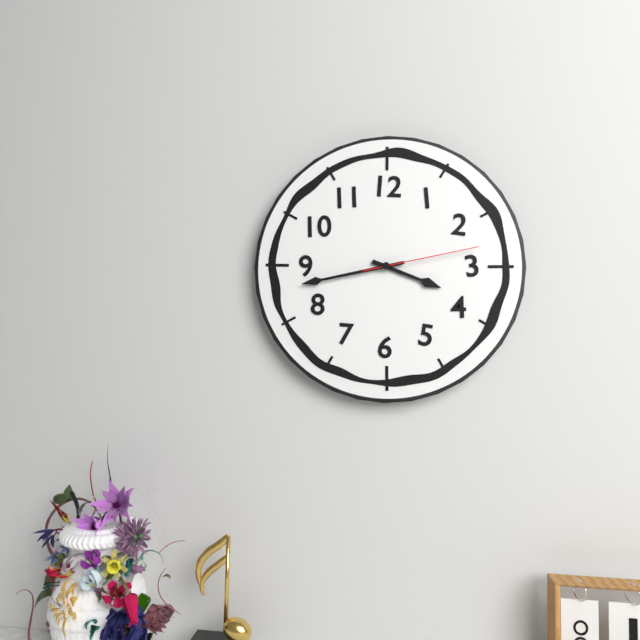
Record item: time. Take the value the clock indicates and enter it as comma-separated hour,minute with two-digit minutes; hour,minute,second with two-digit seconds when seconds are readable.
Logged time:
3,43,13
